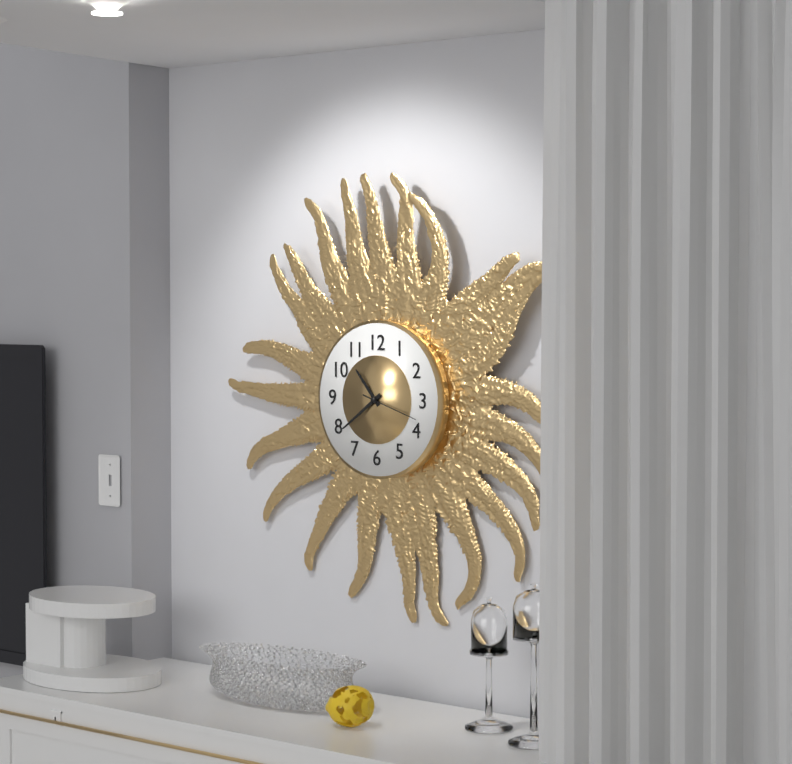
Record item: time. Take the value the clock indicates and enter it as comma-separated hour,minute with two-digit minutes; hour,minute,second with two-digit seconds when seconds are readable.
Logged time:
10,39
